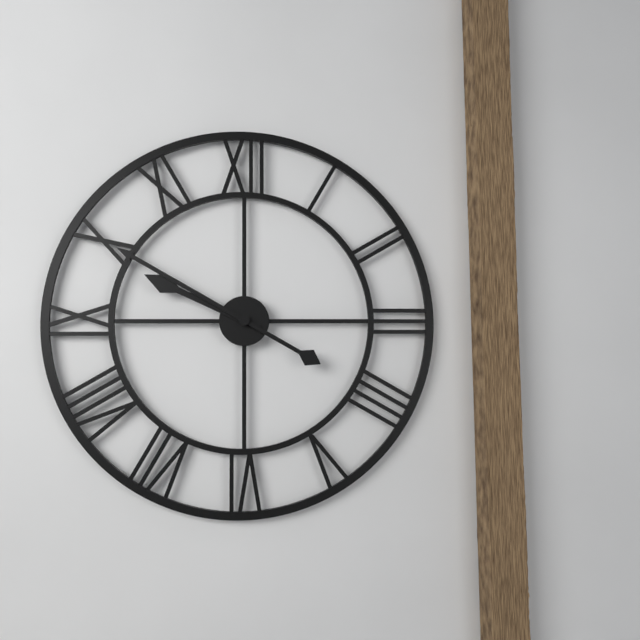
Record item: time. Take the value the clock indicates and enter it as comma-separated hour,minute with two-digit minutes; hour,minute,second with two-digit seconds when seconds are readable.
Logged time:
9,50
